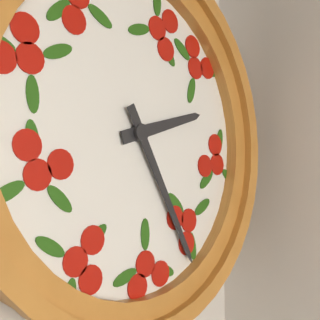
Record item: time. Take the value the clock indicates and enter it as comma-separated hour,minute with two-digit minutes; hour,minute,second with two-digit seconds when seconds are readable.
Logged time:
2,25
